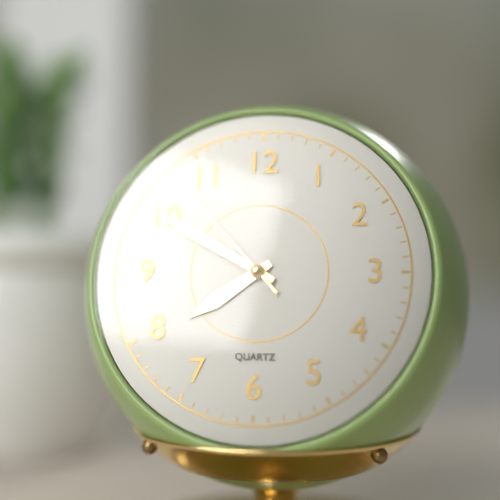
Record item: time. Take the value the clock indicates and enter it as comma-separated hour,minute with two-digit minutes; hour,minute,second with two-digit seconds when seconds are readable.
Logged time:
7,50,53
